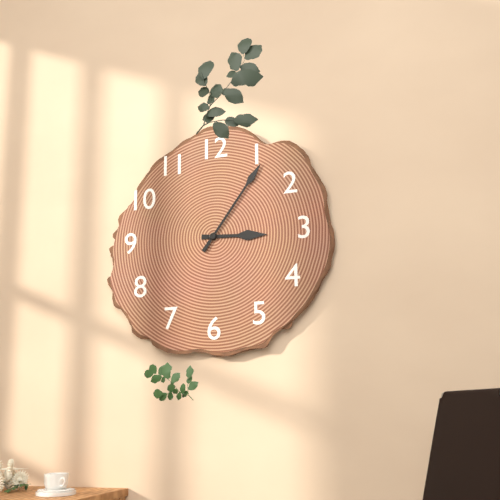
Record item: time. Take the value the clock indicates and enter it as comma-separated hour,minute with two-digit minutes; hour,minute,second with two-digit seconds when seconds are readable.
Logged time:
3,06
